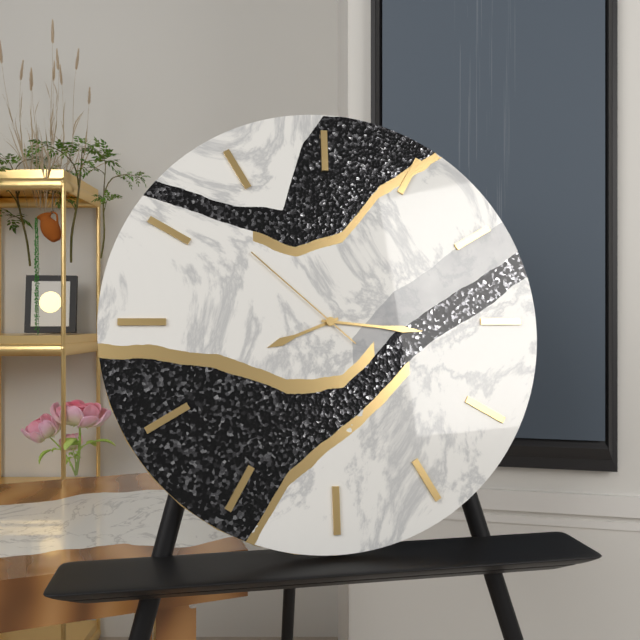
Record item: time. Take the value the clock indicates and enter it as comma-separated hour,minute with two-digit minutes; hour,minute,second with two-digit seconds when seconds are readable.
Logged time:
8,16,52
